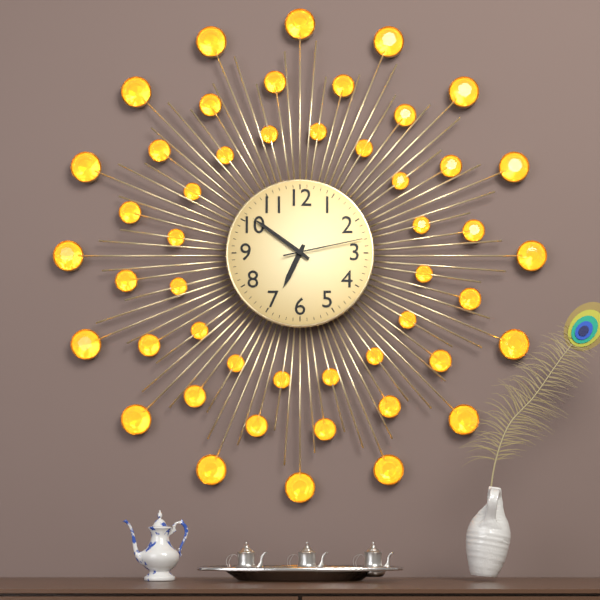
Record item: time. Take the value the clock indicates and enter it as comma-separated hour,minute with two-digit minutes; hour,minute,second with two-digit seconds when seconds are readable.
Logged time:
6,51,13
